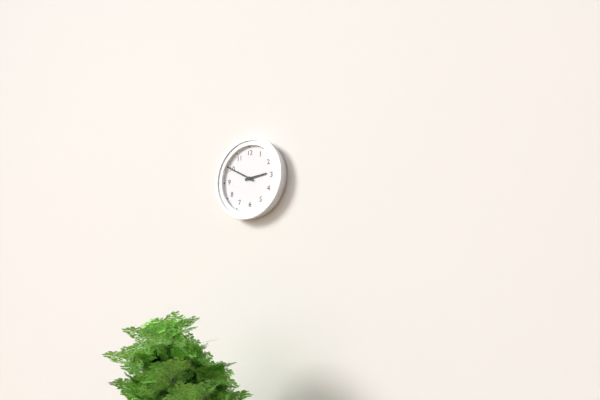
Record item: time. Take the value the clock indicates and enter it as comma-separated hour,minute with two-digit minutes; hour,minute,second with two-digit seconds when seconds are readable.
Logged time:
2,50
